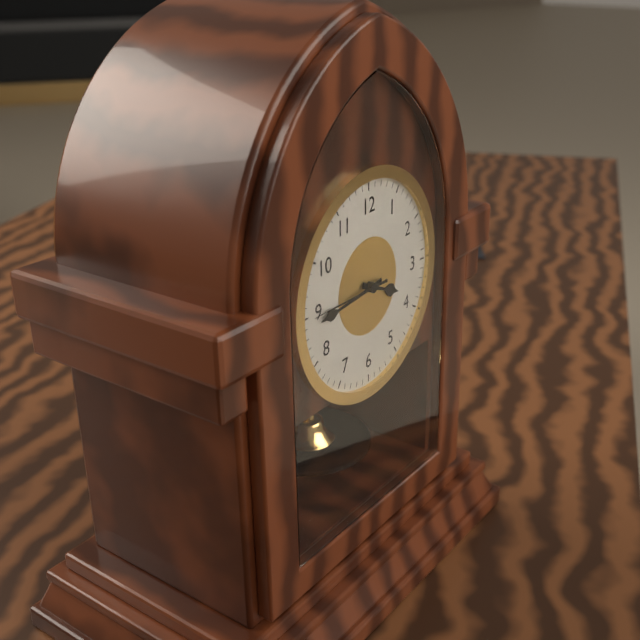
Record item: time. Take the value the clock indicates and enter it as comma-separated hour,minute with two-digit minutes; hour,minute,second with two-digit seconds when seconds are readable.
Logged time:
3,44,45
